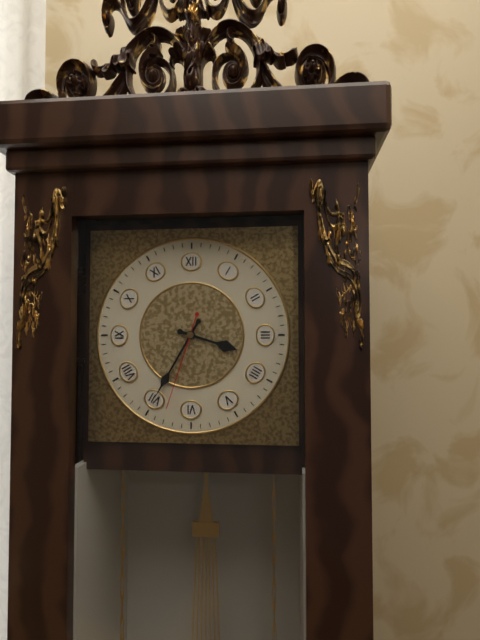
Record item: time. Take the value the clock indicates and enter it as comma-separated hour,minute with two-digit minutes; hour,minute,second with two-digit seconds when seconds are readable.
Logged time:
3,35,33
